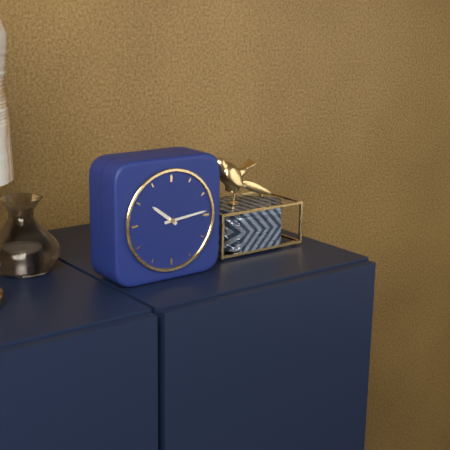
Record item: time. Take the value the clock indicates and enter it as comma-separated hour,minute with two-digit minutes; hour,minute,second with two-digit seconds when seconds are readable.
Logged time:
10,14
